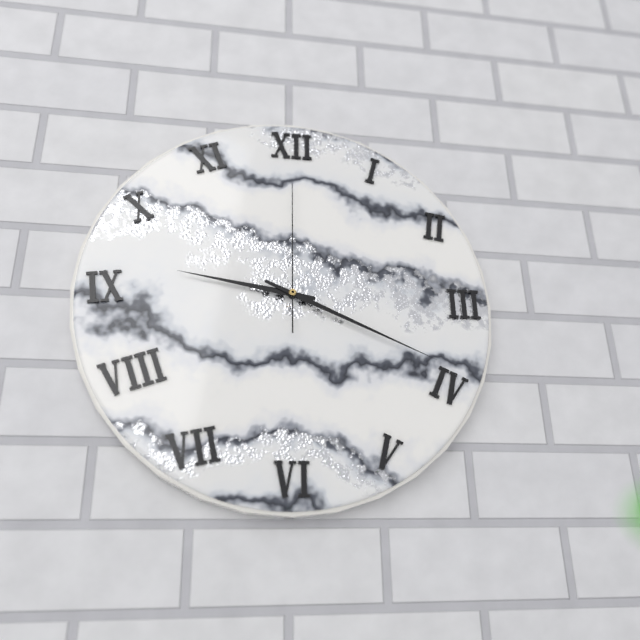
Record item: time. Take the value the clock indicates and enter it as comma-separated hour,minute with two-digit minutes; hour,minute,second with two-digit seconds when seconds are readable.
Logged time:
9,19,00
